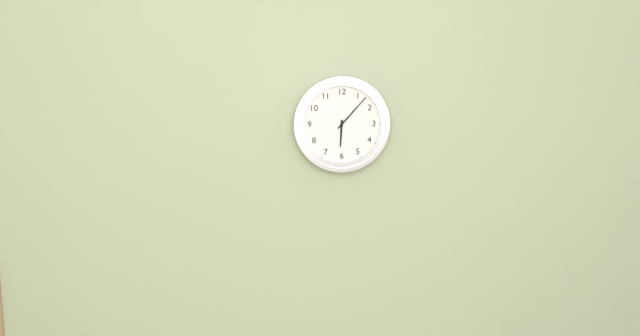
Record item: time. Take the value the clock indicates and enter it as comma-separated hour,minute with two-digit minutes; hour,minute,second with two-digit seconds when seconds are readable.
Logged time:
6,07
